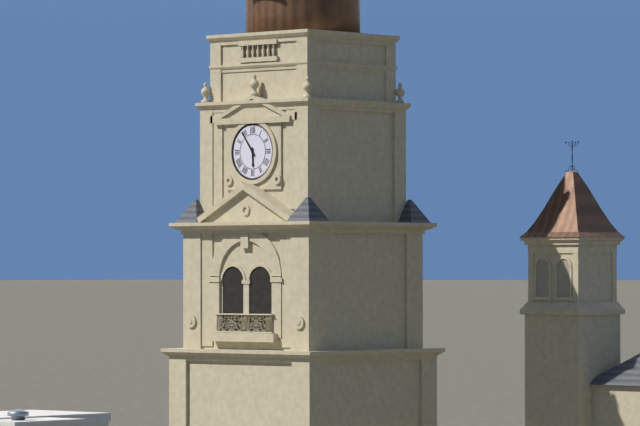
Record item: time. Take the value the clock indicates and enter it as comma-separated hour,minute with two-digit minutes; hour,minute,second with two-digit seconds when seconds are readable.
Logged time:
5,54
